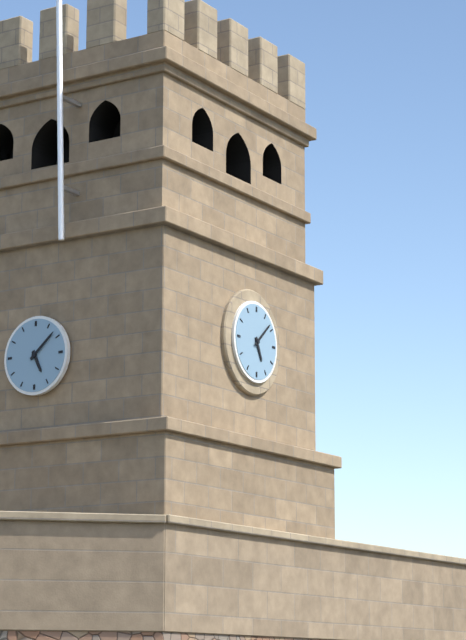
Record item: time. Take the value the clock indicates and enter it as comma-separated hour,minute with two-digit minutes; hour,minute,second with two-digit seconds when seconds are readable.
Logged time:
5,08
